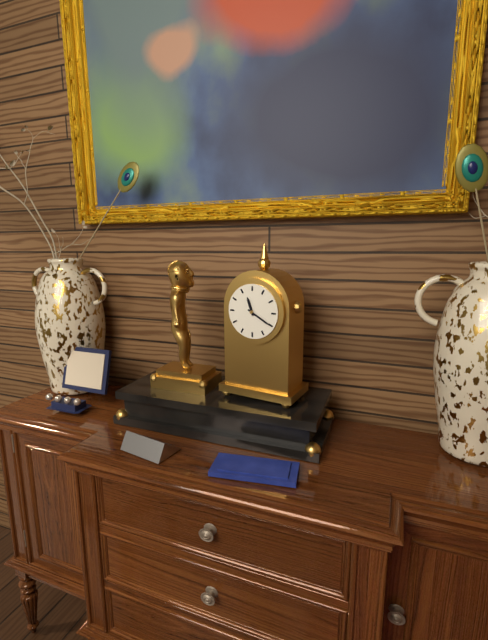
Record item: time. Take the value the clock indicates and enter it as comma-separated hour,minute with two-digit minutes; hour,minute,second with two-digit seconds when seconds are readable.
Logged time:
11,20
